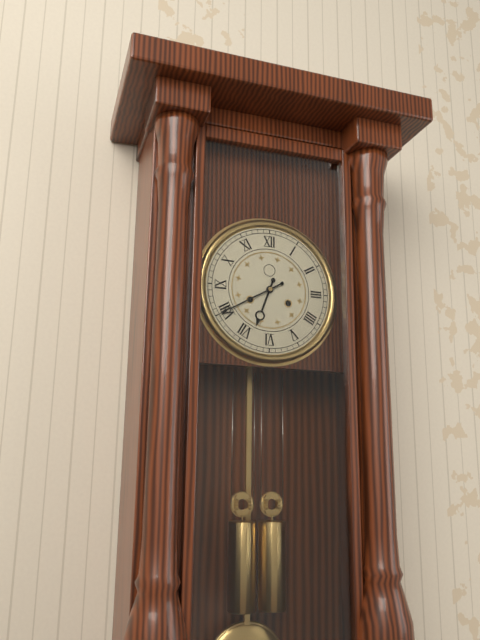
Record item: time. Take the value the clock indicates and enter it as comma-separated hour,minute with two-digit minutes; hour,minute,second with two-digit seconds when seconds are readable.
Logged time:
6,40
